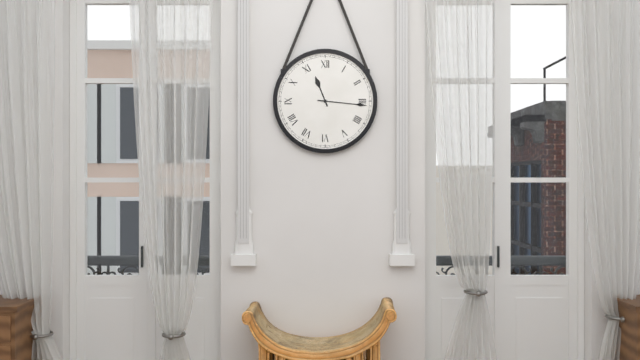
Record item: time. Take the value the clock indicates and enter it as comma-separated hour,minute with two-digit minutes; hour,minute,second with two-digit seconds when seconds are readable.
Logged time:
11,16
